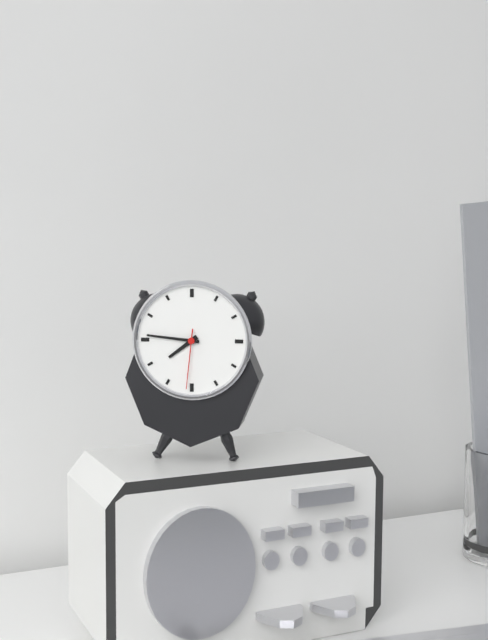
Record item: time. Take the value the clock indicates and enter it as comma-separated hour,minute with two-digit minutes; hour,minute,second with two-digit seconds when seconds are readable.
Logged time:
7,46,31
